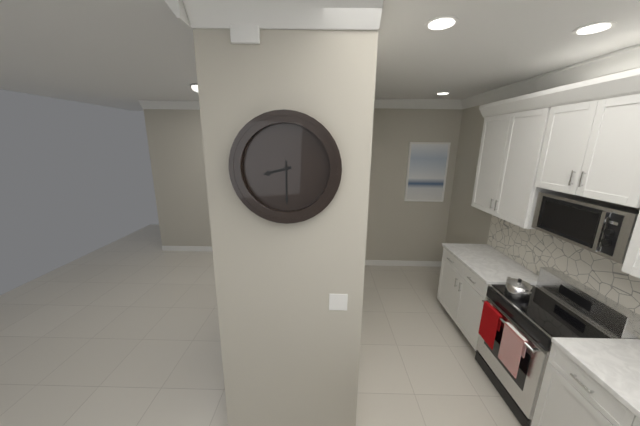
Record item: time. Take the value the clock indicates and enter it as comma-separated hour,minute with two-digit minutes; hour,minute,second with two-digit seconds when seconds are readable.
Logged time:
8,30
